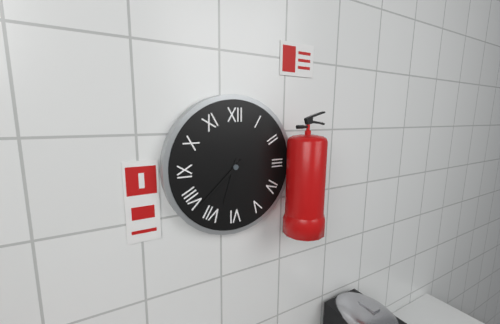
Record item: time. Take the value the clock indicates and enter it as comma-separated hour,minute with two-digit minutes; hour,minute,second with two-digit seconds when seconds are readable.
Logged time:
6,38
